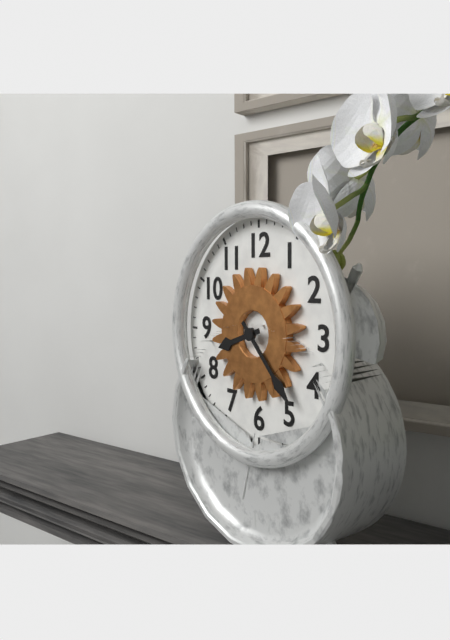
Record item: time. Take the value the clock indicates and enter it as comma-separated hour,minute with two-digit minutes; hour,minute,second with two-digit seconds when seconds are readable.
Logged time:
8,23
